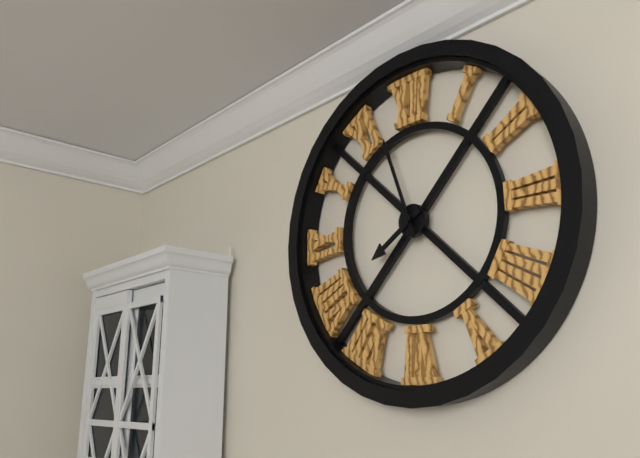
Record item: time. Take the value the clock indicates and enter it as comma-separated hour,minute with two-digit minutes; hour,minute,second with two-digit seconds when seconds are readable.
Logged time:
7,57
